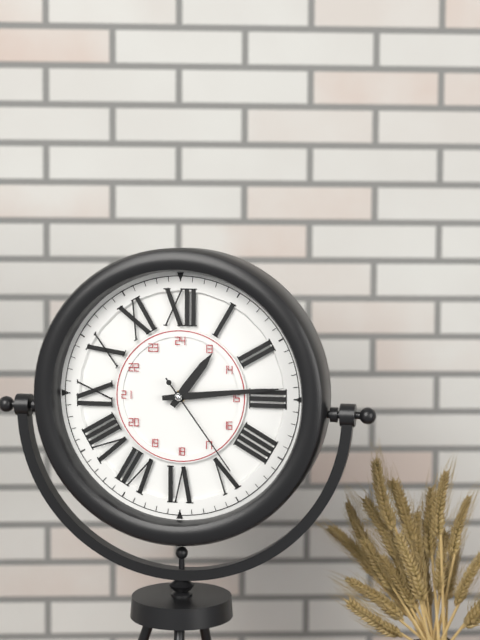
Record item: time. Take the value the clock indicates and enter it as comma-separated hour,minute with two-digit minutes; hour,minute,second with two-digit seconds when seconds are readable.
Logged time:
1,14,24
